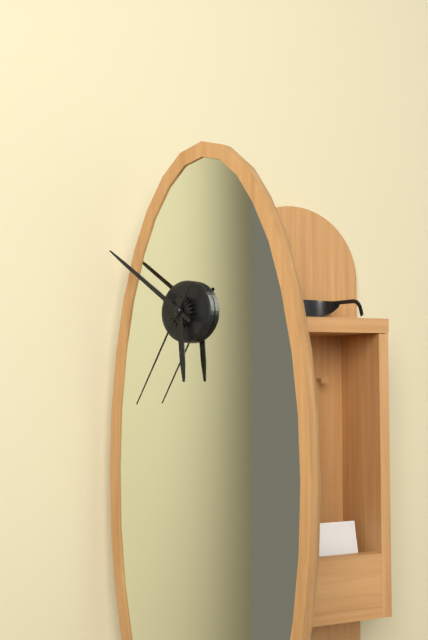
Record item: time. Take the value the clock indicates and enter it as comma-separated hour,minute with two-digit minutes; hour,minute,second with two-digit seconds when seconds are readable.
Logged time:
5,51,35
